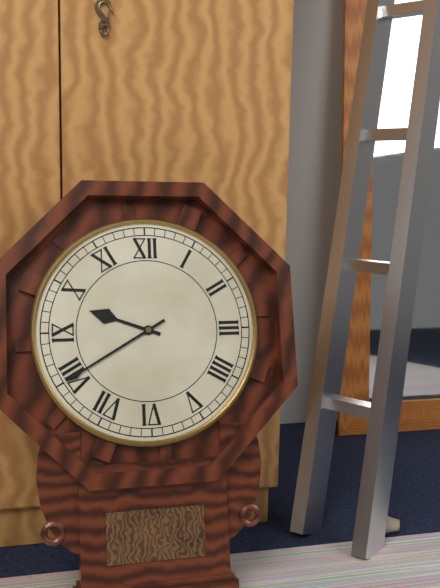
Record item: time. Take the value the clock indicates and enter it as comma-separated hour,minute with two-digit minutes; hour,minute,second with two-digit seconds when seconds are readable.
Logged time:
9,40
